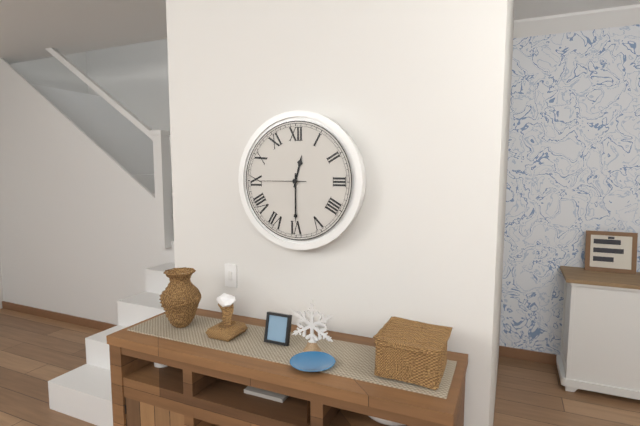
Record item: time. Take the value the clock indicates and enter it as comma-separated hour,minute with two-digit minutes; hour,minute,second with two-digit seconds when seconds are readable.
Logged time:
12,30
